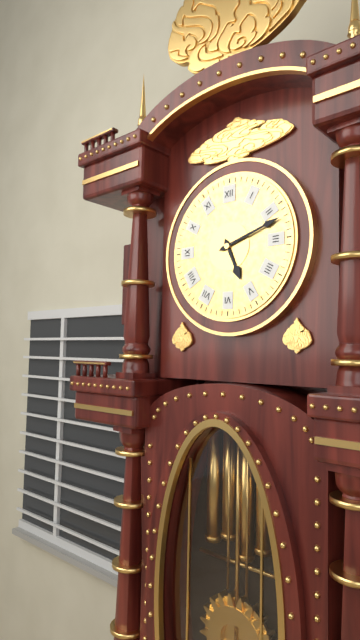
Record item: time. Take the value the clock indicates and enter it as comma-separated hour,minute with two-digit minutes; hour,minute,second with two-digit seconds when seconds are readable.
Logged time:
5,12
